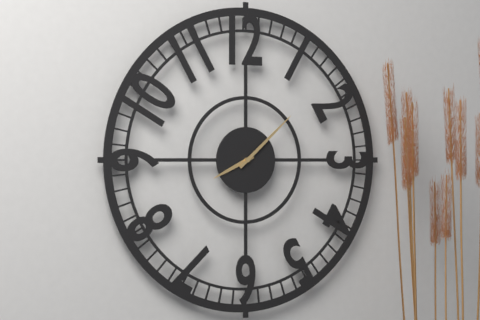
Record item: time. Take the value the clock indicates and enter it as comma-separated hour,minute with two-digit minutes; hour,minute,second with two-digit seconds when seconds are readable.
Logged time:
8,08
